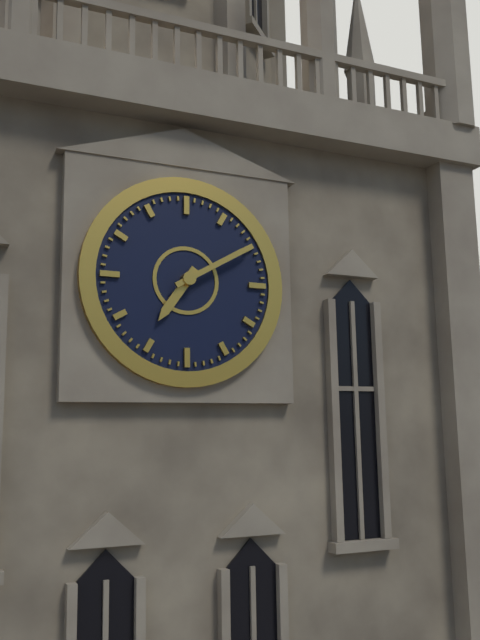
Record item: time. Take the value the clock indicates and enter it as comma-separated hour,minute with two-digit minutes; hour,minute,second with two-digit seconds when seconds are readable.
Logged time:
7,10
